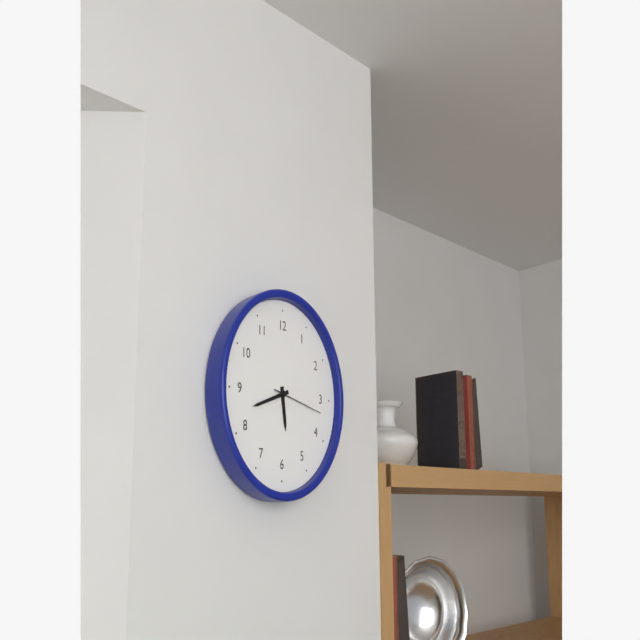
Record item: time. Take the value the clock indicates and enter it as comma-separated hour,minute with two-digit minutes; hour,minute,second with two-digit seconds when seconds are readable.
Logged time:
5,42,17
